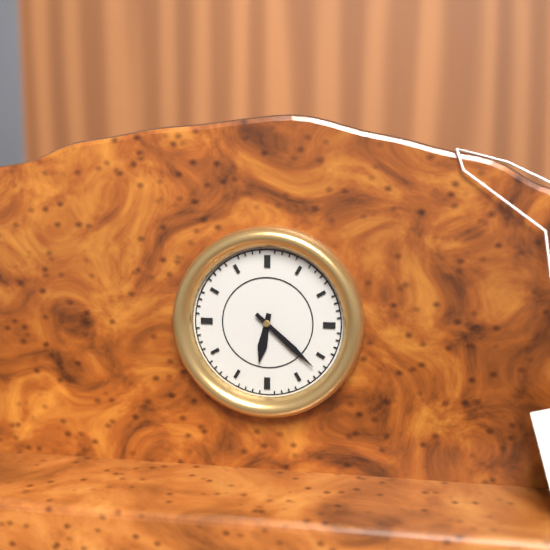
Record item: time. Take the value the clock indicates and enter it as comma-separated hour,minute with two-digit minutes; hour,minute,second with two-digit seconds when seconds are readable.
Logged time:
6,22
